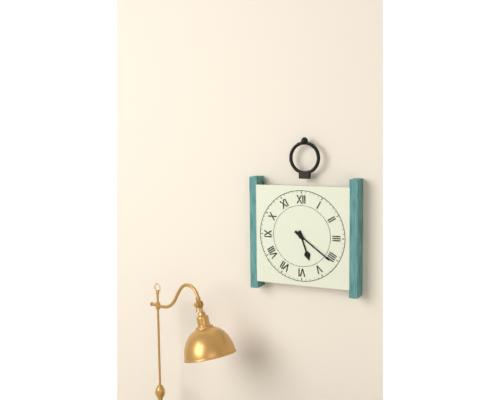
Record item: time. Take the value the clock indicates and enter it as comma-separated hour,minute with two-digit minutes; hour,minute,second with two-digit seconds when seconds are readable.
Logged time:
5,21
